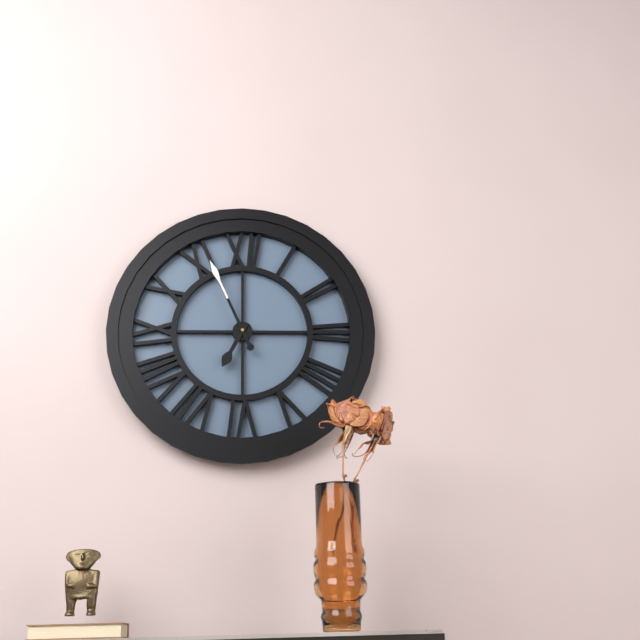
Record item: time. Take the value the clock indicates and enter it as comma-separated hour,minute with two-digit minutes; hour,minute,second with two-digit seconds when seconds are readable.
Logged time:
6,56
